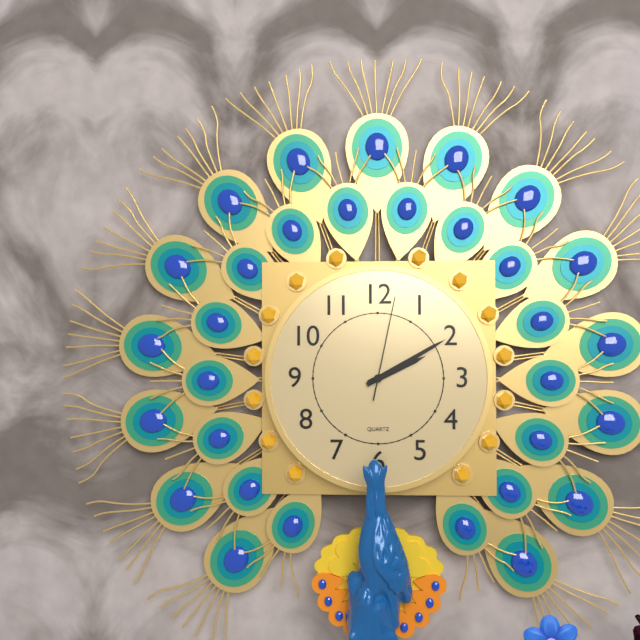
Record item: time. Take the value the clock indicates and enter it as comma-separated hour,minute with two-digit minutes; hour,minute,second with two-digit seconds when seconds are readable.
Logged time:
2,10,02
